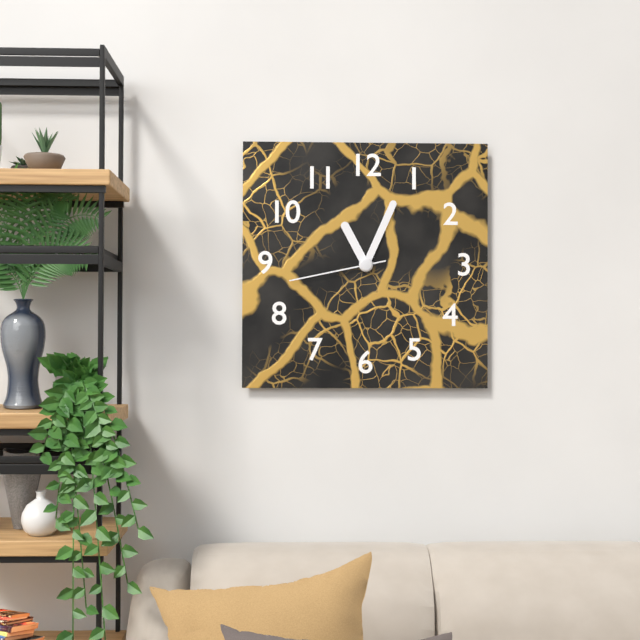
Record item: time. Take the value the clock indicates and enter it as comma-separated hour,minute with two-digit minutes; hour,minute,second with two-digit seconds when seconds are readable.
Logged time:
11,04,43
